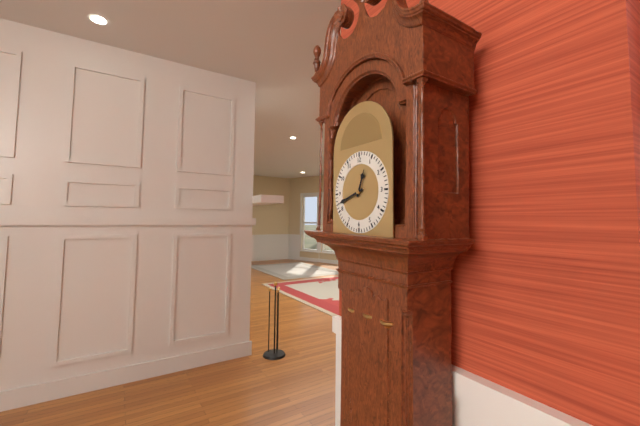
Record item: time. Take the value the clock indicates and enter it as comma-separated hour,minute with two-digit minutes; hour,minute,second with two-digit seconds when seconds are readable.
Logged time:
12,42
